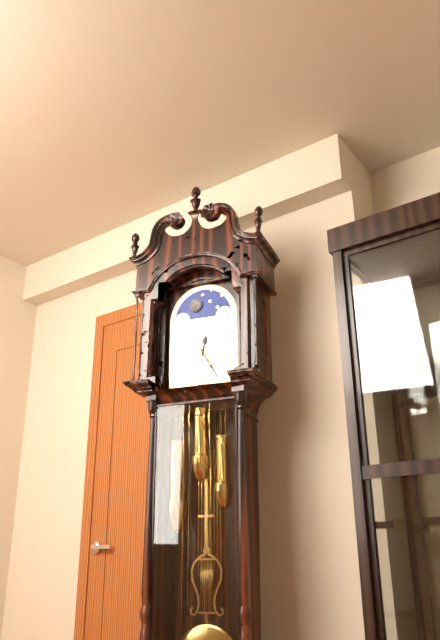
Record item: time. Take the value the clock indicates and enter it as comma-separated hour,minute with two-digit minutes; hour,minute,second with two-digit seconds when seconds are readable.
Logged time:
12,25
